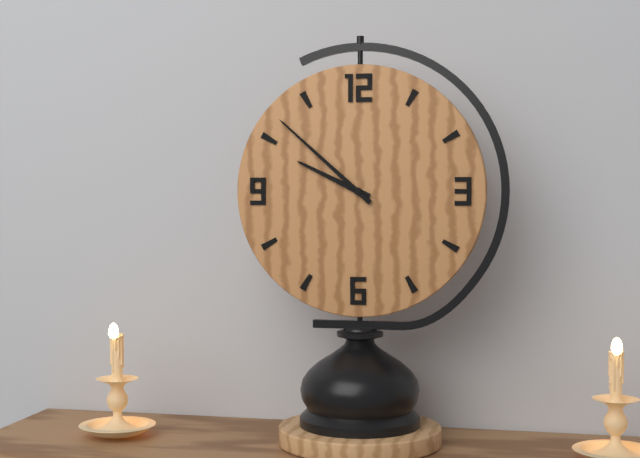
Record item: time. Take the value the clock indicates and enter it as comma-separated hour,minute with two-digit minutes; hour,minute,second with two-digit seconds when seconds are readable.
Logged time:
9,52
